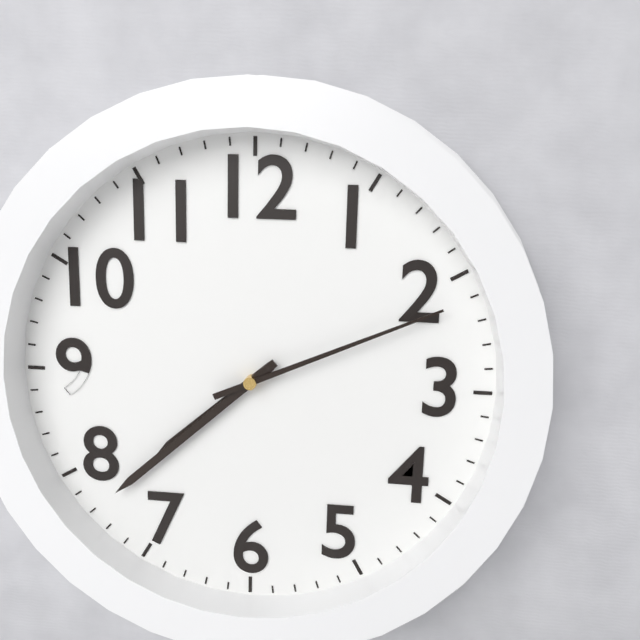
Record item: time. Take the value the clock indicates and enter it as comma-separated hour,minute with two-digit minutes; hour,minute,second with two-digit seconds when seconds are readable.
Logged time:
7,38,11
